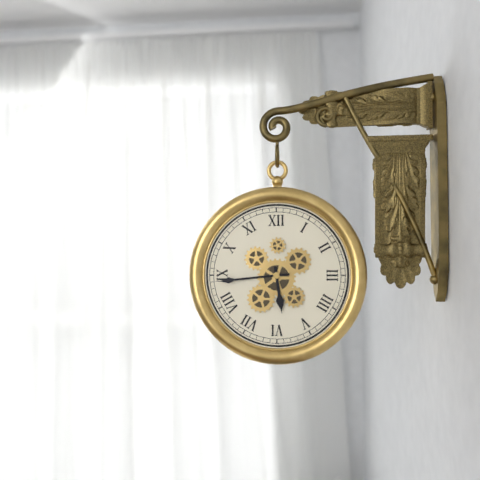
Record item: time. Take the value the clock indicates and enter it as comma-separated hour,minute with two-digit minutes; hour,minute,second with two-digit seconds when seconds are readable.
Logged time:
5,44
